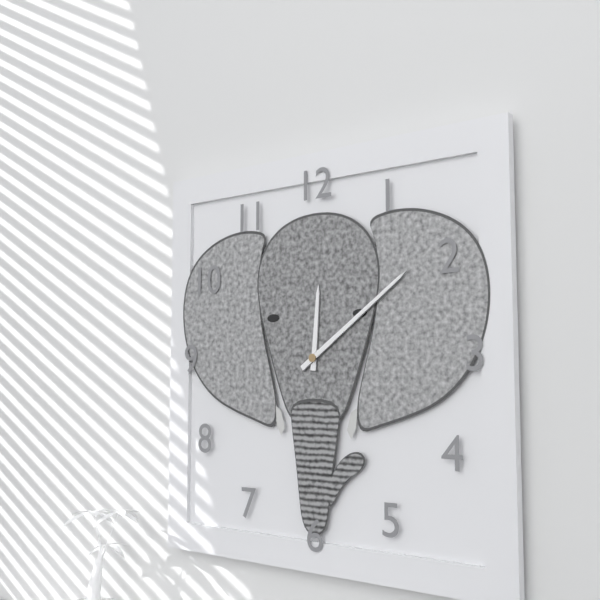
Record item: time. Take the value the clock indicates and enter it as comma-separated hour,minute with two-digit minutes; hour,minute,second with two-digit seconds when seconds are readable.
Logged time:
12,09
